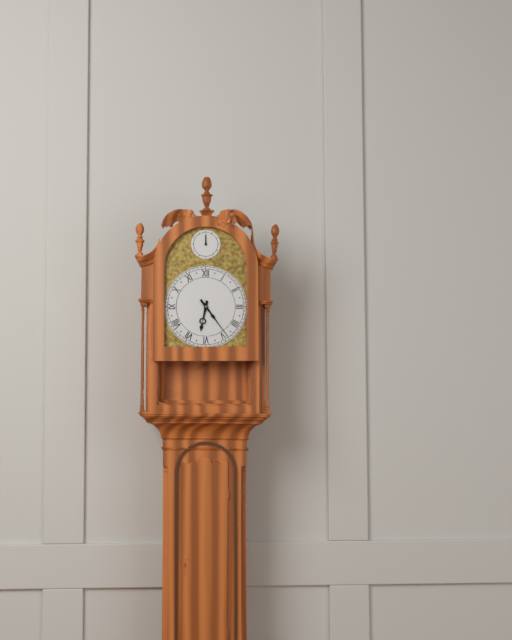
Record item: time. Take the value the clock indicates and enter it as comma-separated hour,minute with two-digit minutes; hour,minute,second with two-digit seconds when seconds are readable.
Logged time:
6,24
